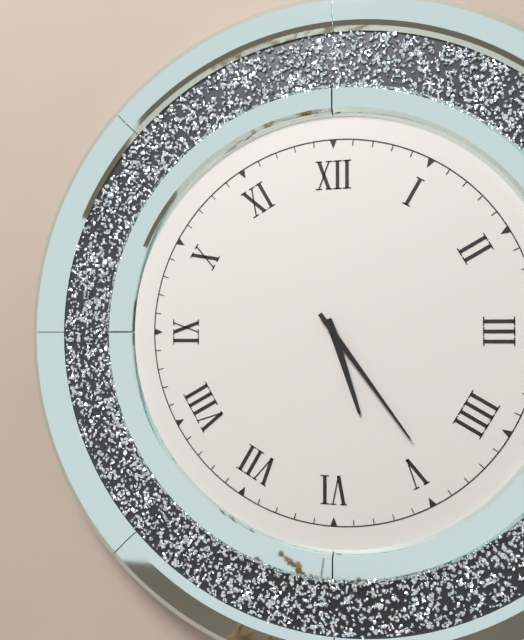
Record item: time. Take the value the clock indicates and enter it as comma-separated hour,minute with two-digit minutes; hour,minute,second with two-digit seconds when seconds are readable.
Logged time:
5,24
